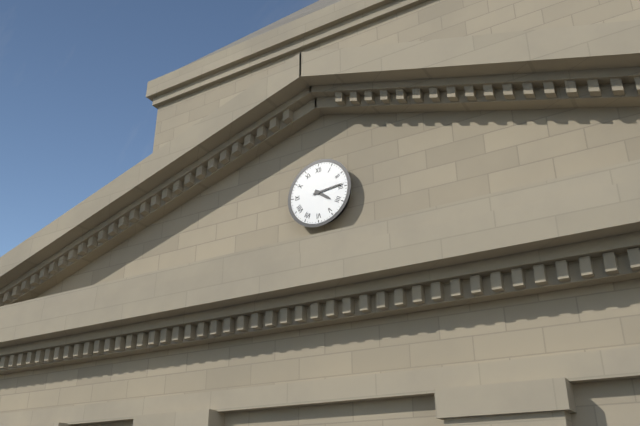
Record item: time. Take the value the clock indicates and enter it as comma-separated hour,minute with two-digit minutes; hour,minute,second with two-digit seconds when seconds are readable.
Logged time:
4,14
